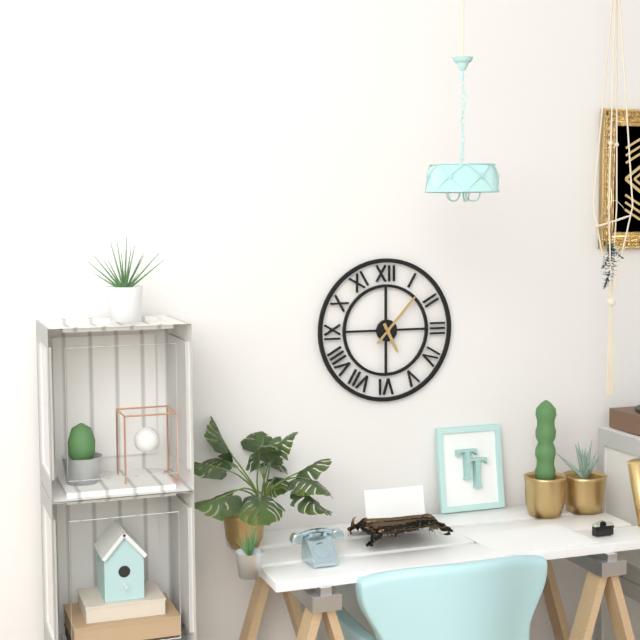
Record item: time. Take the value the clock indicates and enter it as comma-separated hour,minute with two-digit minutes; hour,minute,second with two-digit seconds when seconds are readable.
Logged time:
5,07
